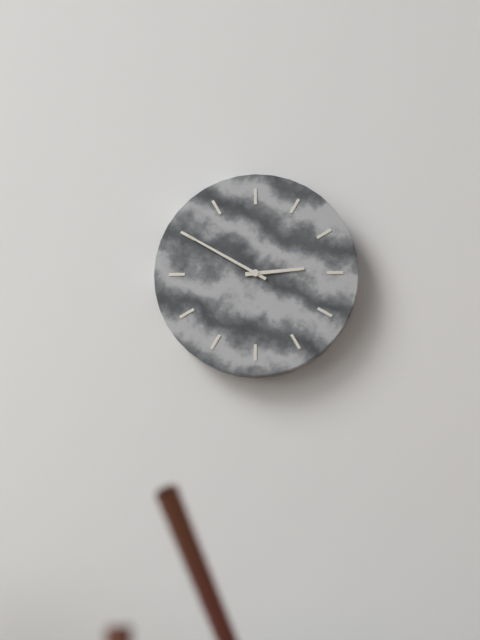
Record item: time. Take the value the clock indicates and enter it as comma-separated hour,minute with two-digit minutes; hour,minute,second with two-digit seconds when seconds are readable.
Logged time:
2,50
